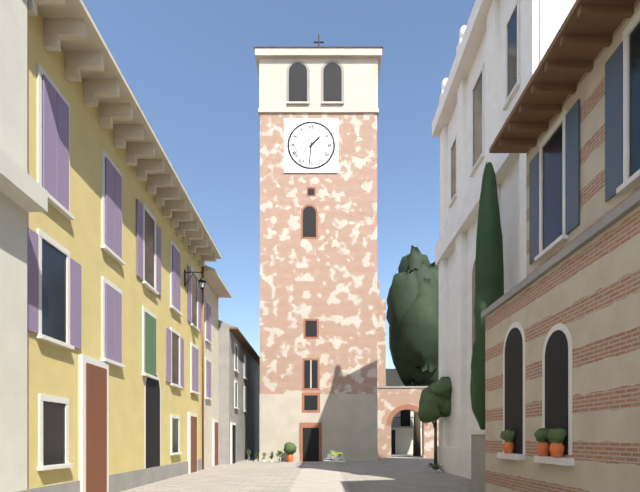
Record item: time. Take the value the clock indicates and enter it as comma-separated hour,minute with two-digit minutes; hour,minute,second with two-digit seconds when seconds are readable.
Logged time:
1,31
